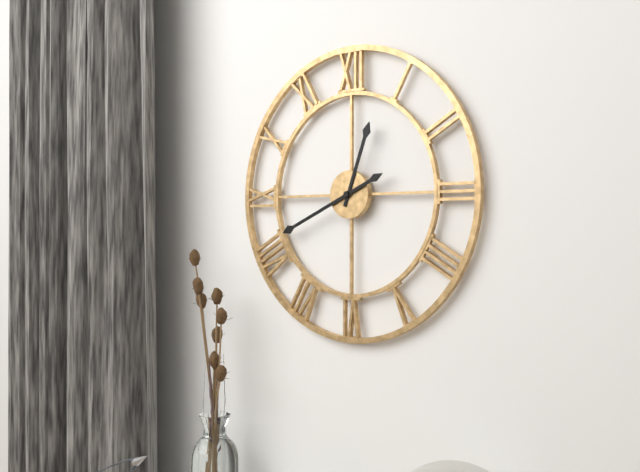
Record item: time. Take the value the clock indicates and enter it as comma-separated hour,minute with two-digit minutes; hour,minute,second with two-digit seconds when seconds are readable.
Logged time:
12,41
